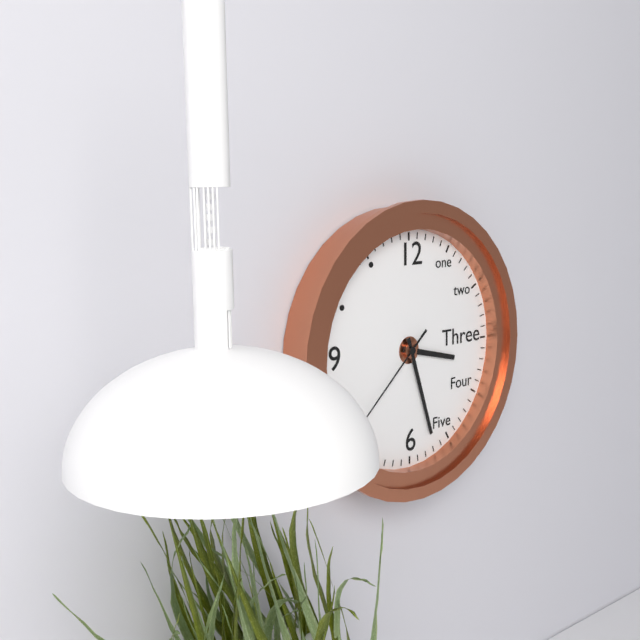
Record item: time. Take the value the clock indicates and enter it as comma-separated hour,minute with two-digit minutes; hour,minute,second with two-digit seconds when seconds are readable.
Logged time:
3,27,38
